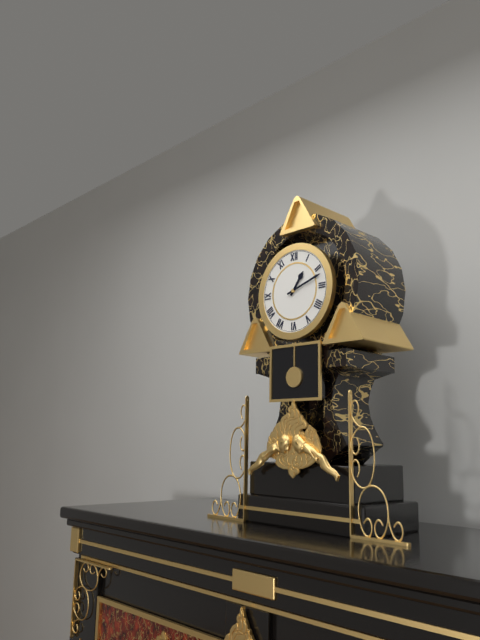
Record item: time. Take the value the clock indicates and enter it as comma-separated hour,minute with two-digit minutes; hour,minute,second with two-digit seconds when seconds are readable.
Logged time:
1,12
